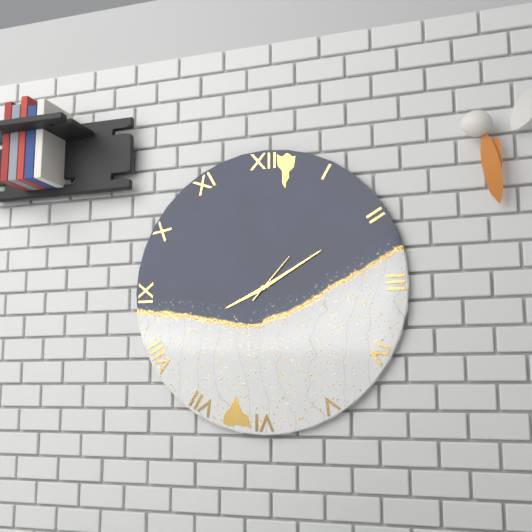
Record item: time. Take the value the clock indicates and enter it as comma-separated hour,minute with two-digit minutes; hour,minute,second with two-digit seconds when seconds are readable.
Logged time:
8,10,07
